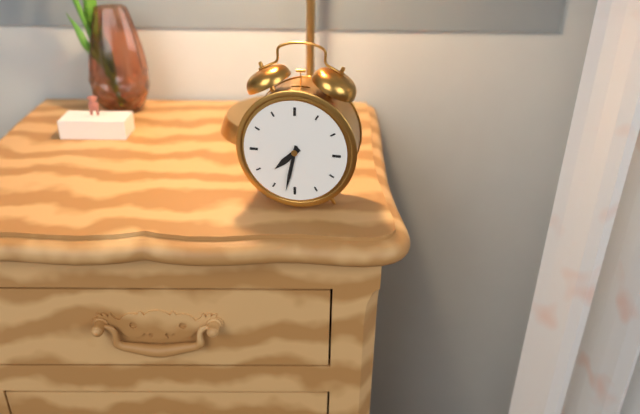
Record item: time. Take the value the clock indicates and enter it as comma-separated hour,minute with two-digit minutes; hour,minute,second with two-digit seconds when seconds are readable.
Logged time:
7,32
